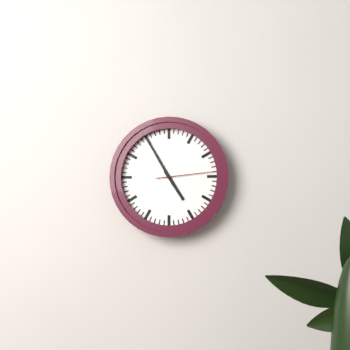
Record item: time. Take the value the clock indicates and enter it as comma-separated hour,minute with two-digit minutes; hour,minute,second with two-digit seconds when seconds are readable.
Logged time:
4,55,14
